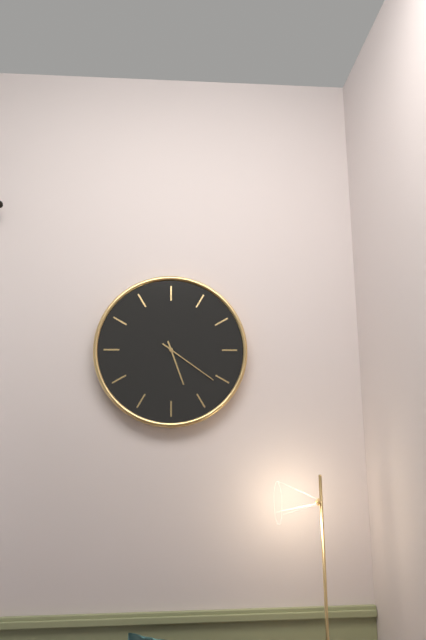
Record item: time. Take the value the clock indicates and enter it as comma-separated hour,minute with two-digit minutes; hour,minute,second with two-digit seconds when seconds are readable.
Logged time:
5,21
